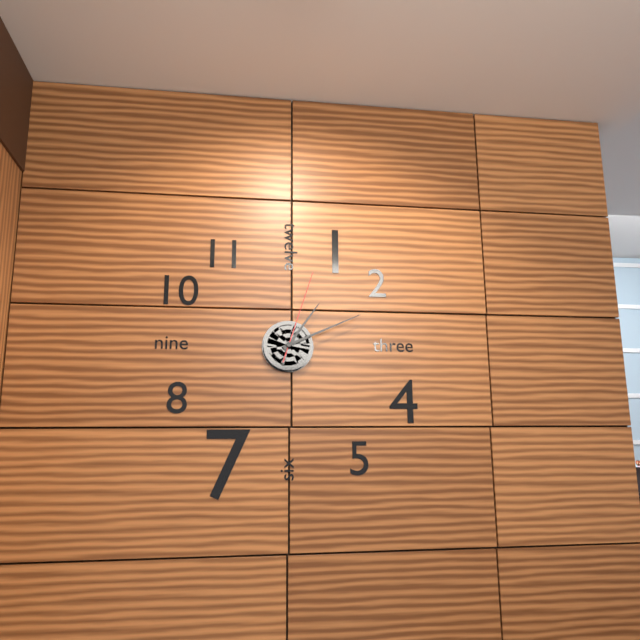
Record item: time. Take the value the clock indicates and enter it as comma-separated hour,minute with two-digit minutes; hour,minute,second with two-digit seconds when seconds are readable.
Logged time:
1,11,03
